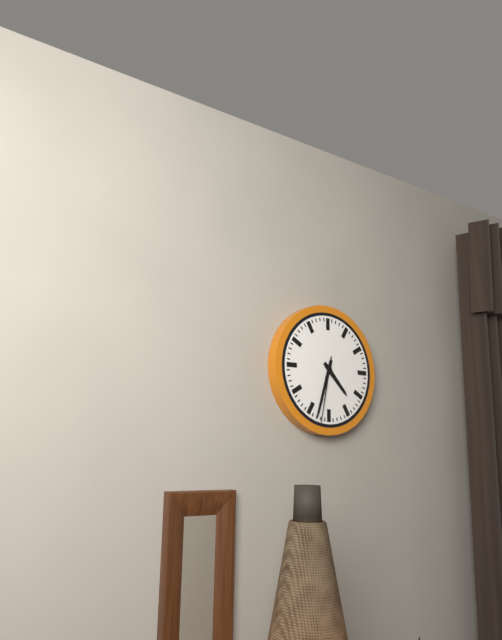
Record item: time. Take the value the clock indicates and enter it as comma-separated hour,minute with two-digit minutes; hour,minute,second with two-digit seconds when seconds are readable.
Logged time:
4,33,32
